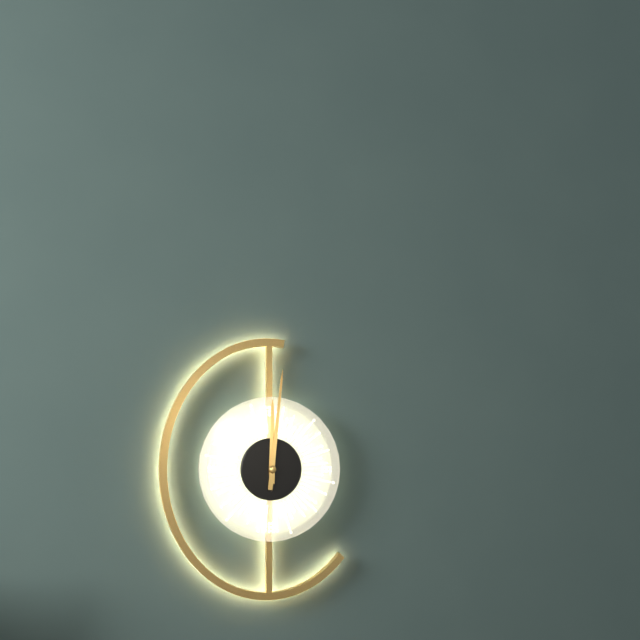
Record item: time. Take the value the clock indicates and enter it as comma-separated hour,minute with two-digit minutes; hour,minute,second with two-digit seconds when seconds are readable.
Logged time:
12,01
